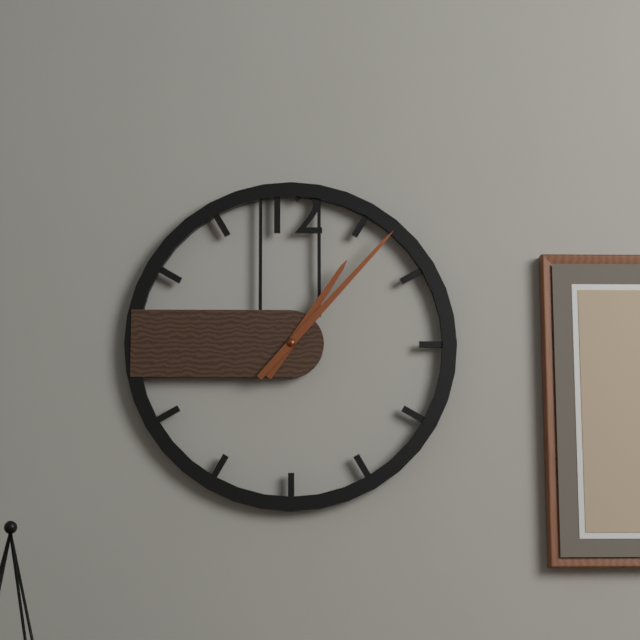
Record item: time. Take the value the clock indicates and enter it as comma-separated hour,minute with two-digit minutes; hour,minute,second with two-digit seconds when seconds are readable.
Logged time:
1,07
